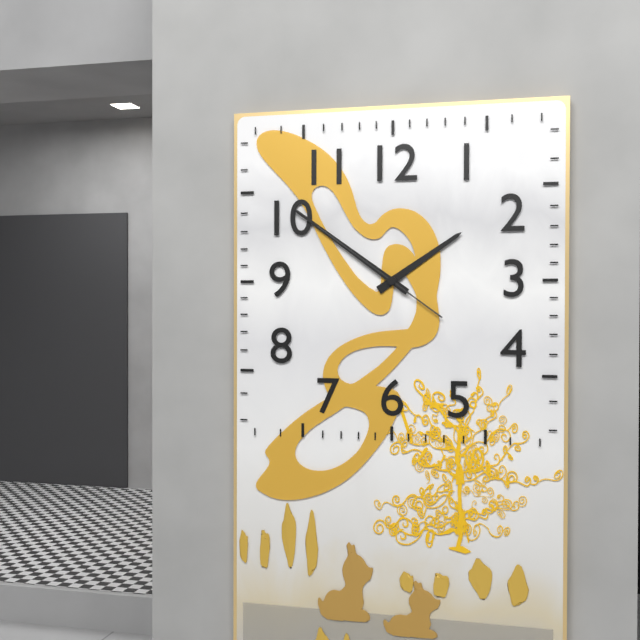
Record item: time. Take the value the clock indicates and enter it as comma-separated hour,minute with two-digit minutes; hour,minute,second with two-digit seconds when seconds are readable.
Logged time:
1,51,51
